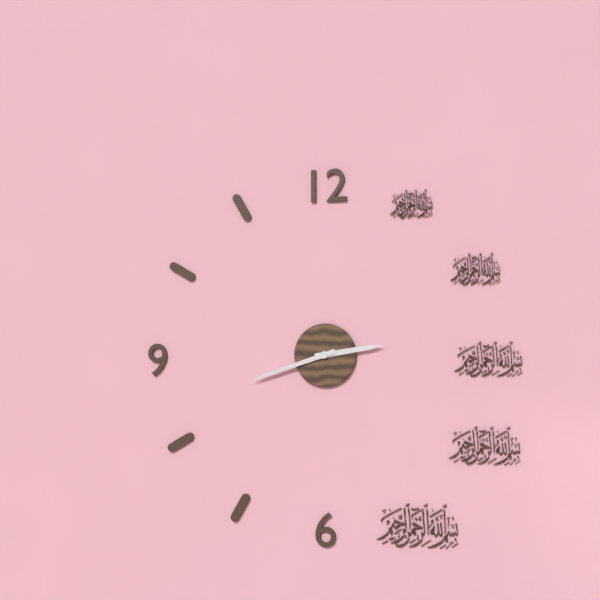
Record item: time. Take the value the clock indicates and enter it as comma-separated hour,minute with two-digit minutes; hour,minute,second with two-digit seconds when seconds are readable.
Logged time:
2,42
